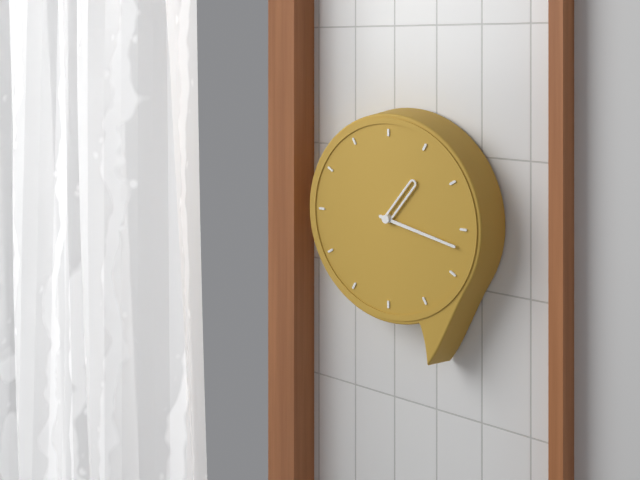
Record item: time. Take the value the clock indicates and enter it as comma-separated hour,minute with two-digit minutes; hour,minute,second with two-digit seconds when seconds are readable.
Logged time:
1,17
